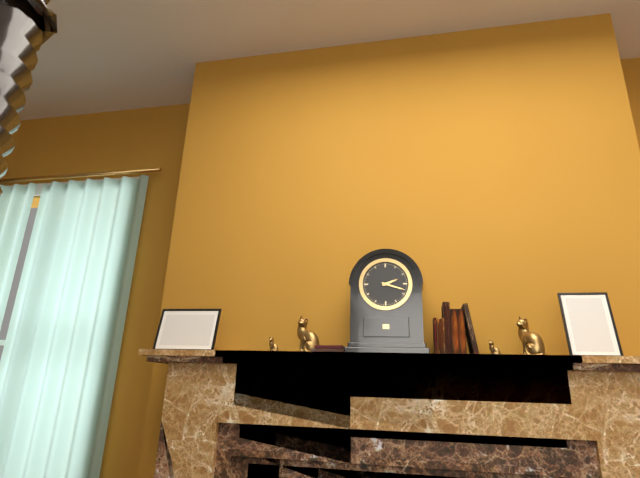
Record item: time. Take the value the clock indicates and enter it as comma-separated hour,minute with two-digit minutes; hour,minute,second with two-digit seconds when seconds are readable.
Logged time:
2,18
